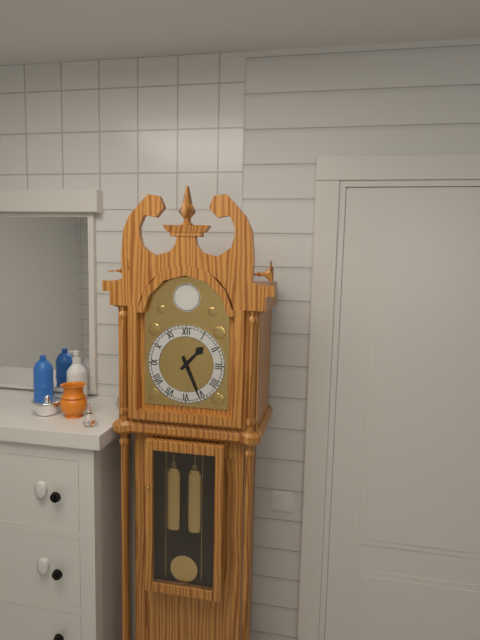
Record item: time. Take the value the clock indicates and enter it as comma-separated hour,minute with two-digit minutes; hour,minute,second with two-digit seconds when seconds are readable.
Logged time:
1,26
